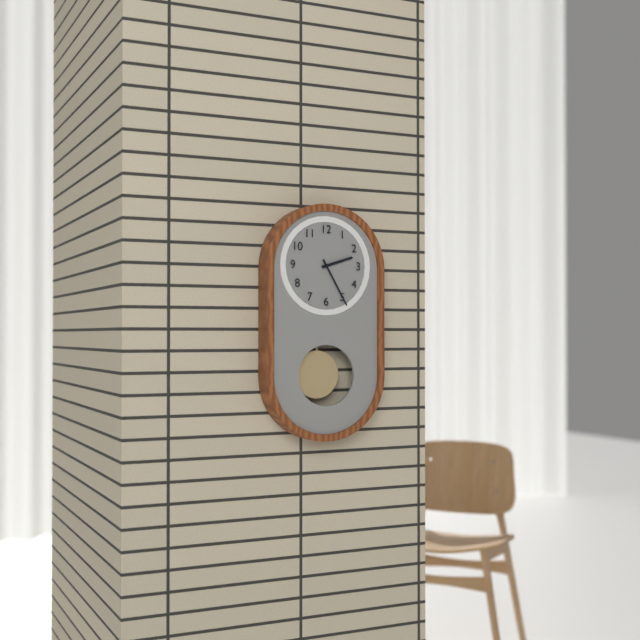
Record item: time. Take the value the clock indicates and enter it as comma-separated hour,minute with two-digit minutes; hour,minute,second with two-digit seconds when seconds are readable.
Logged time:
2,25
